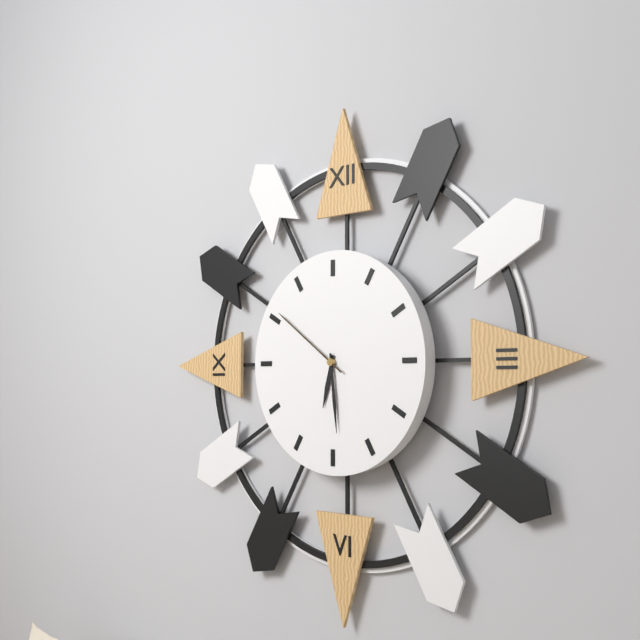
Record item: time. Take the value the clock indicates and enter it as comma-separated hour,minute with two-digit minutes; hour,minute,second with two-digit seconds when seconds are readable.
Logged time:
6,29,51
